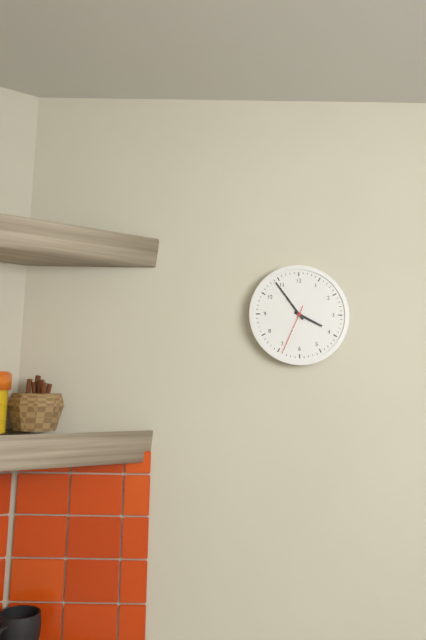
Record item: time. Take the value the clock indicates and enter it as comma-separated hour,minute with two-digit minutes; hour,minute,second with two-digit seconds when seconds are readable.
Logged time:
3,54,34
